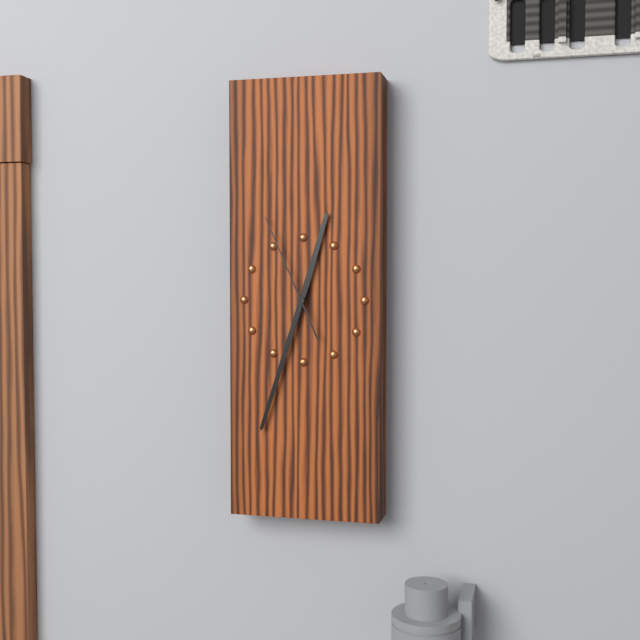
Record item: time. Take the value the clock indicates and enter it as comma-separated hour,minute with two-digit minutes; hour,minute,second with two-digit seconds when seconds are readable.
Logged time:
12,33,56
